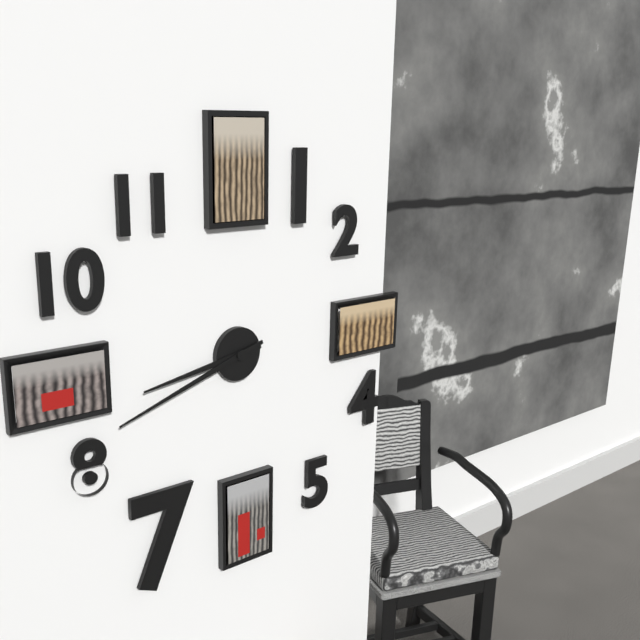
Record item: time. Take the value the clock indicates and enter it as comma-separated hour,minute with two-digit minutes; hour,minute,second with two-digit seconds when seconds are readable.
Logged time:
8,42
